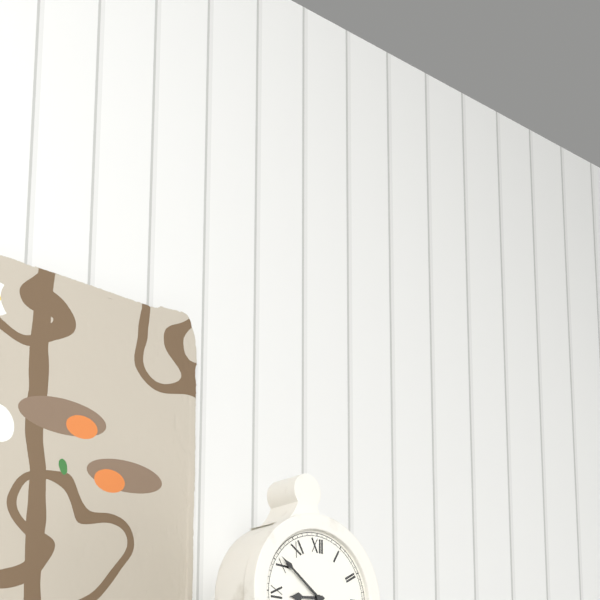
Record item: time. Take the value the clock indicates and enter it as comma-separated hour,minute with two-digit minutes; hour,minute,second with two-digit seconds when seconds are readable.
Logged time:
8,51
